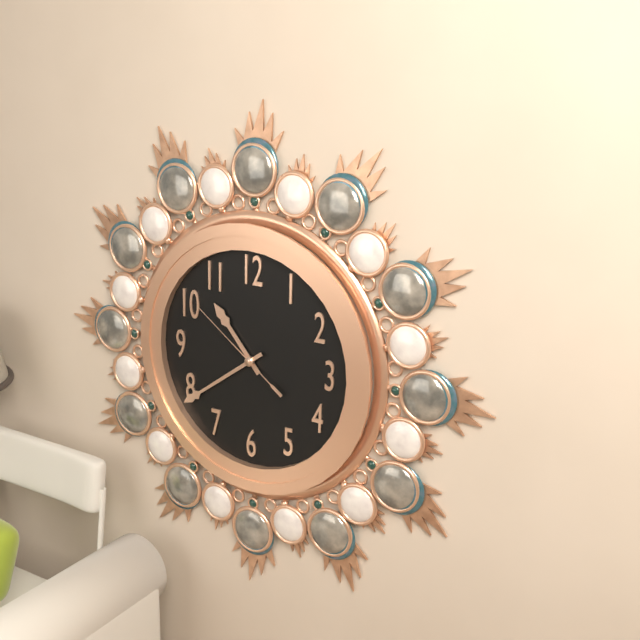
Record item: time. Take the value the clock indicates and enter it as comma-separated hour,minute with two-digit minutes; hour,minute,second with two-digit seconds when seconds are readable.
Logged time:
10,39,51
